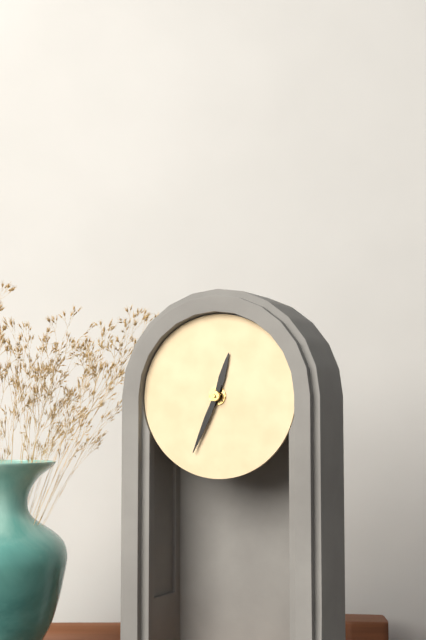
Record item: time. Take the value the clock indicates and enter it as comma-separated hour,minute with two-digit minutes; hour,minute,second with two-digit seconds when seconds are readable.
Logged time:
12,34
